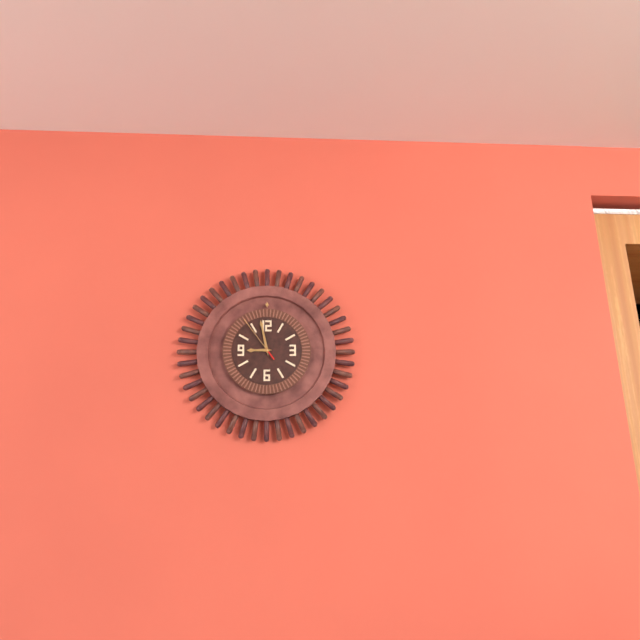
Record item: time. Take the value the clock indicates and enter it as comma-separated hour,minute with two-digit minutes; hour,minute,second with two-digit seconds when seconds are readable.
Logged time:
8,58
